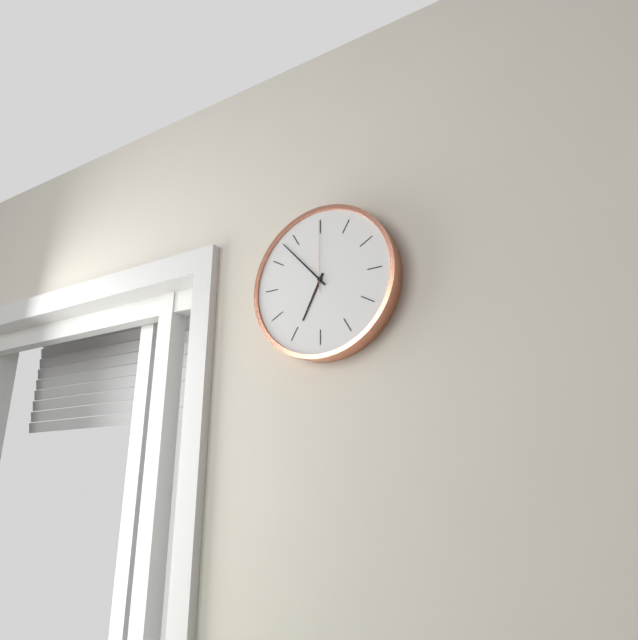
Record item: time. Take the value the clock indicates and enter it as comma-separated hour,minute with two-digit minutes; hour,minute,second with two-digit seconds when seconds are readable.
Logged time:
6,53,00
